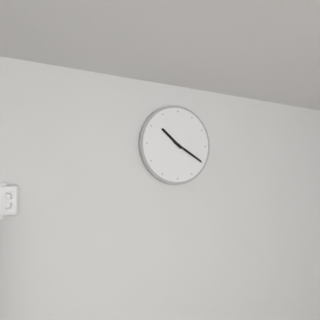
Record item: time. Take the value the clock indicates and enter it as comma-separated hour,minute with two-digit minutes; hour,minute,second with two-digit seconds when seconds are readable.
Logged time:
10,20
